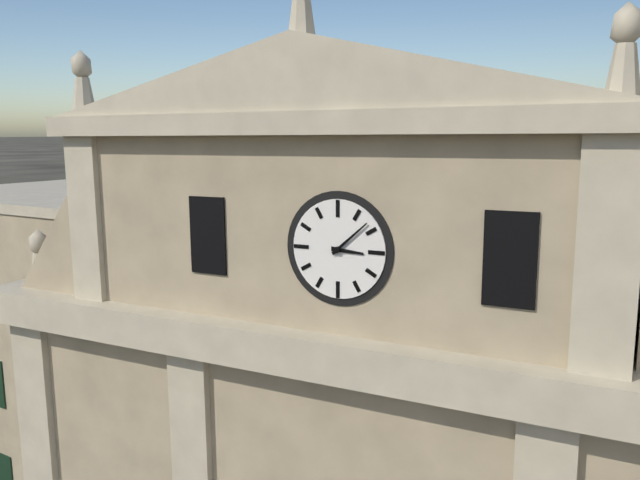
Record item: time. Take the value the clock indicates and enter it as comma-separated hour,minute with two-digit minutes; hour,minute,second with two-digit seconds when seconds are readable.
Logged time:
3,08
